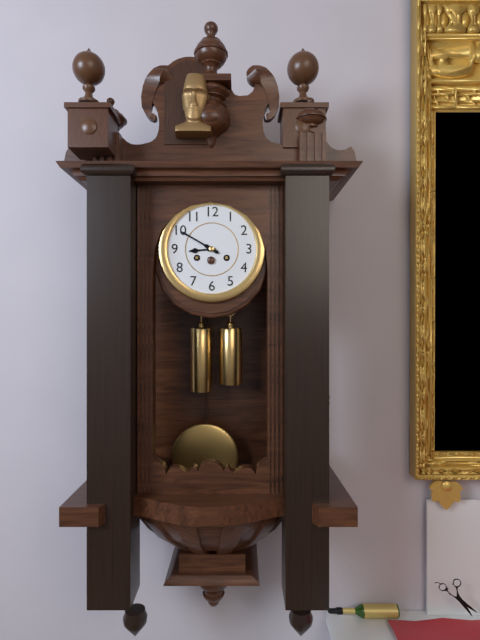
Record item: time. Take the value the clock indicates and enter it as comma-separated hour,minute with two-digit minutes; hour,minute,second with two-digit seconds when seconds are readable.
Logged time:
8,50
